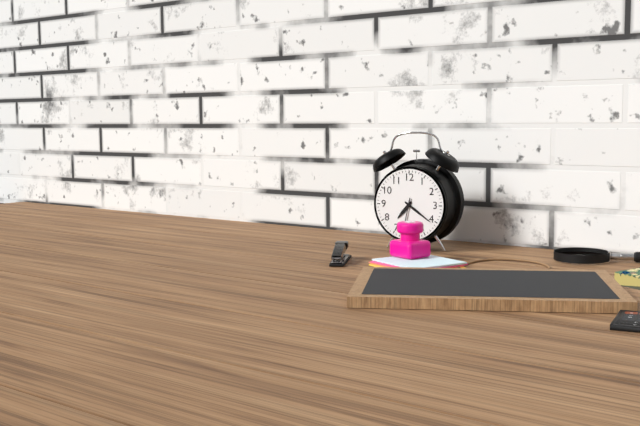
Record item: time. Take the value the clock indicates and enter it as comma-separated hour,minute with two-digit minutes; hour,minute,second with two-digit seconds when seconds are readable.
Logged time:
7,21
